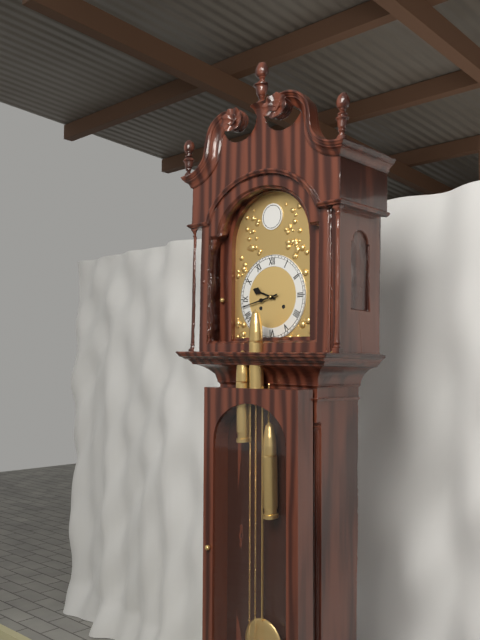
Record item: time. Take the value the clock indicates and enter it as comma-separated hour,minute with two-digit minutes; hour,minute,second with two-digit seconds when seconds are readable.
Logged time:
9,43
